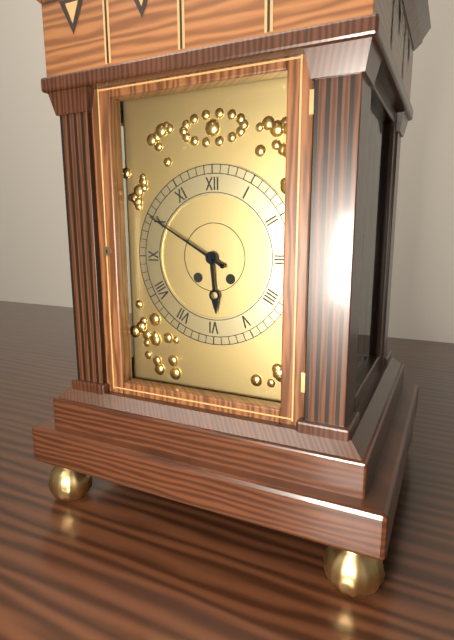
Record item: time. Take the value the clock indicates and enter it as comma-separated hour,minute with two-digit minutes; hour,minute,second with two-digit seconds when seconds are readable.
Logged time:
5,50
